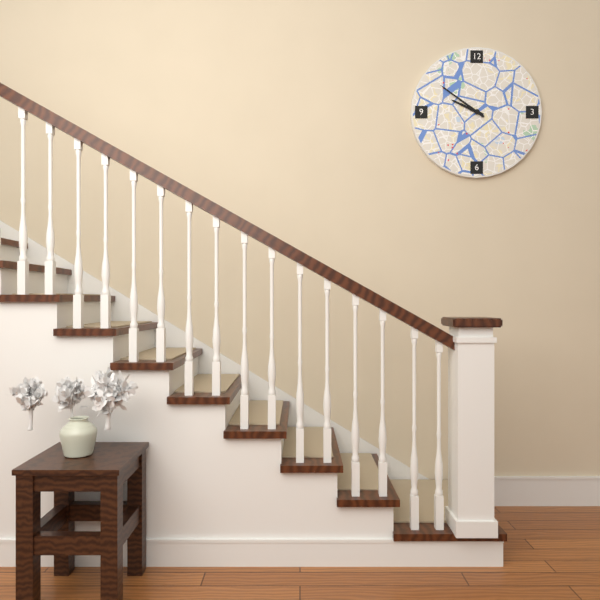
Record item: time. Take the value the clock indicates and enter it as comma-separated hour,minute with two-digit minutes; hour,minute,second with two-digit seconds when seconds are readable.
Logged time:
9,51
